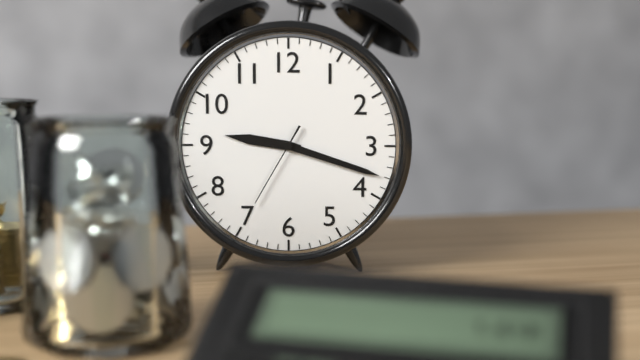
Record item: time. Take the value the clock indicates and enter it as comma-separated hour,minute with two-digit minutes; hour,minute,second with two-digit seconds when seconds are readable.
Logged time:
9,18,35
